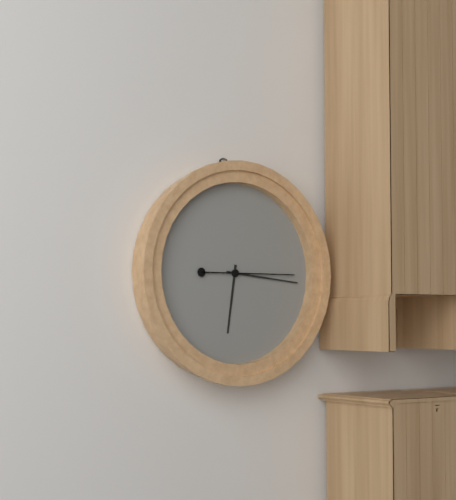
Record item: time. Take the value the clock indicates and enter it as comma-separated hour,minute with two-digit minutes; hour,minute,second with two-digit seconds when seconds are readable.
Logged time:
6,16,15
